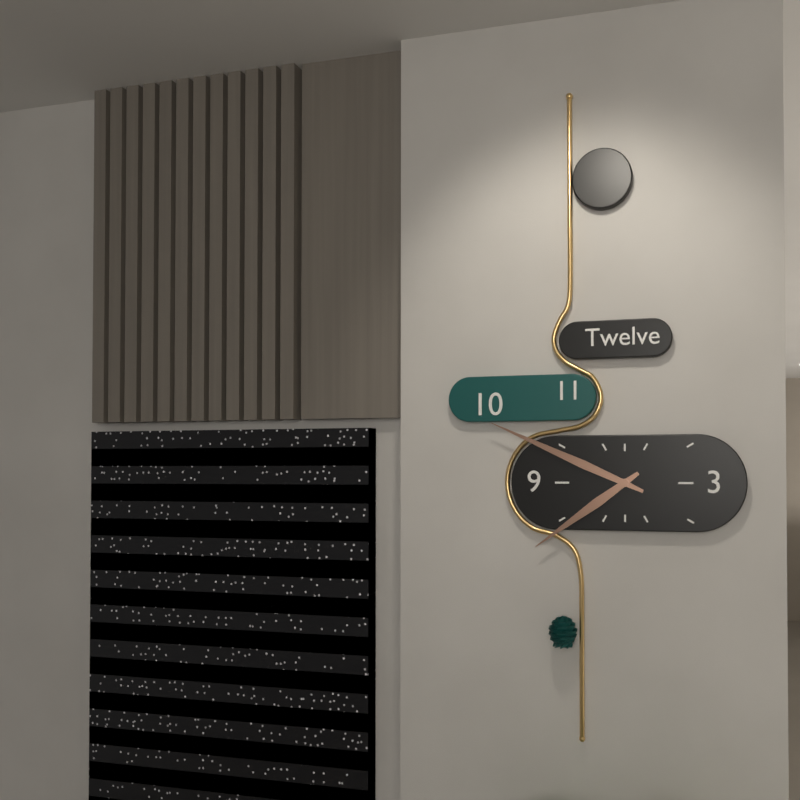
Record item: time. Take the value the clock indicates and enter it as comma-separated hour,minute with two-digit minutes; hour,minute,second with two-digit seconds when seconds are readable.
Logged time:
7,49
